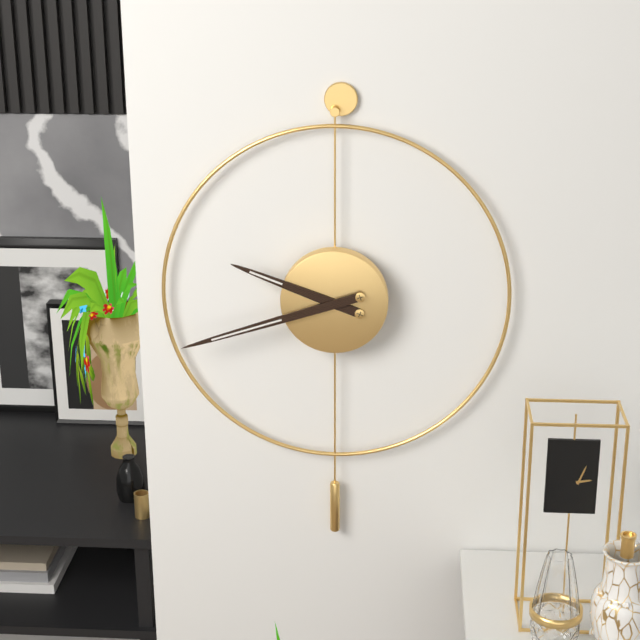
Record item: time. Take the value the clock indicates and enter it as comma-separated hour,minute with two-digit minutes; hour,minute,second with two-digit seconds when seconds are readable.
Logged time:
9,42
